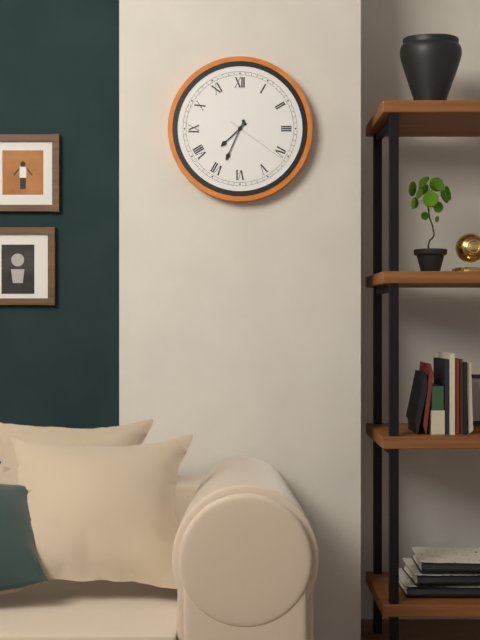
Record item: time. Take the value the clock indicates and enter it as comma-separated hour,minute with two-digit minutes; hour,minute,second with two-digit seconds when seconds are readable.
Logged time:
7,34,21
